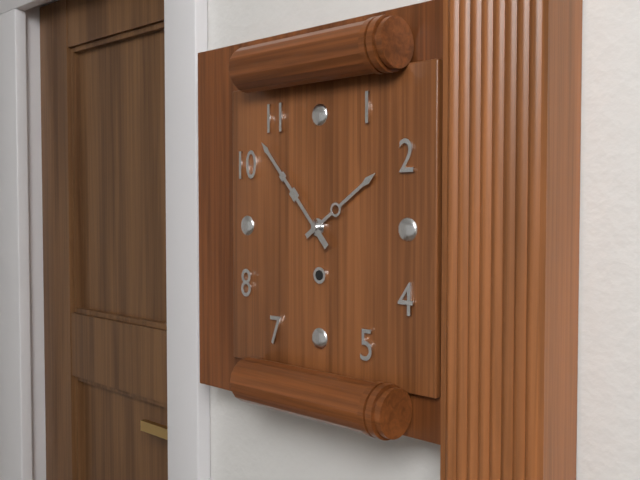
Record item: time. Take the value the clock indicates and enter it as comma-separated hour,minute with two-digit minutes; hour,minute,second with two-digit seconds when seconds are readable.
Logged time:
1,53
